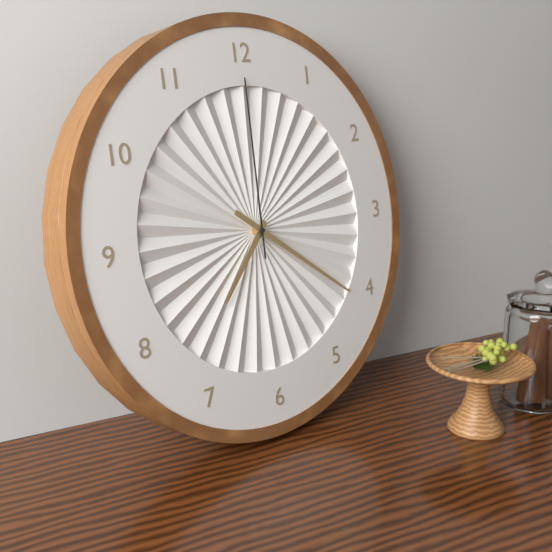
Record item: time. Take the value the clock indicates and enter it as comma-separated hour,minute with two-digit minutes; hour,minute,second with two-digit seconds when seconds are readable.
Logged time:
7,21,00
